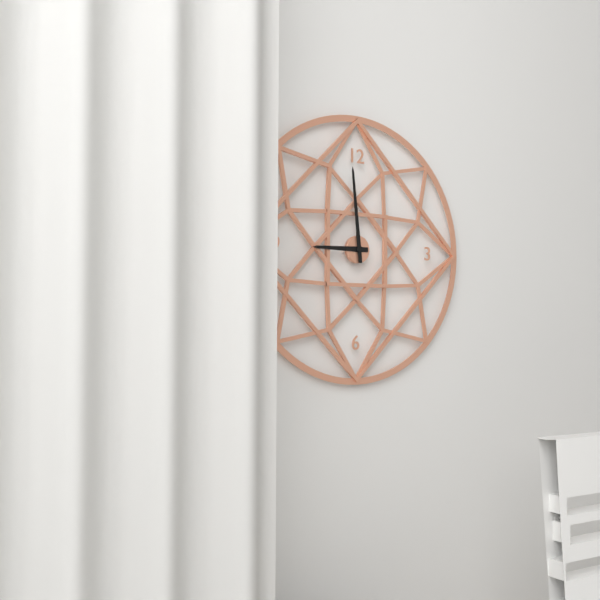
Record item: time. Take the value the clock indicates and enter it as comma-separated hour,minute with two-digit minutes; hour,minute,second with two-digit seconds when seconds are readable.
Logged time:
8,59
